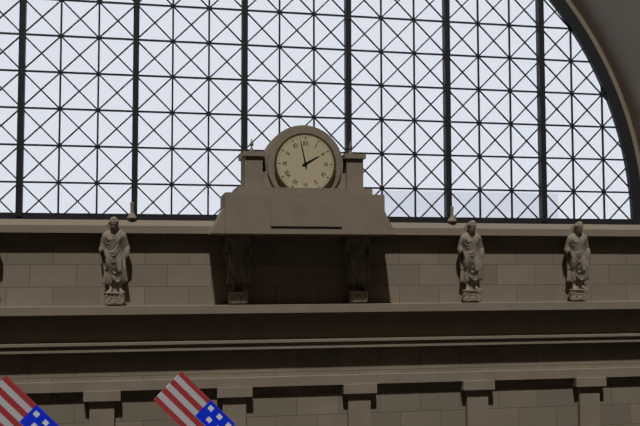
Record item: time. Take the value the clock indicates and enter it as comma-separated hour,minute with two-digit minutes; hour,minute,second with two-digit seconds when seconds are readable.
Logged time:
1,58
